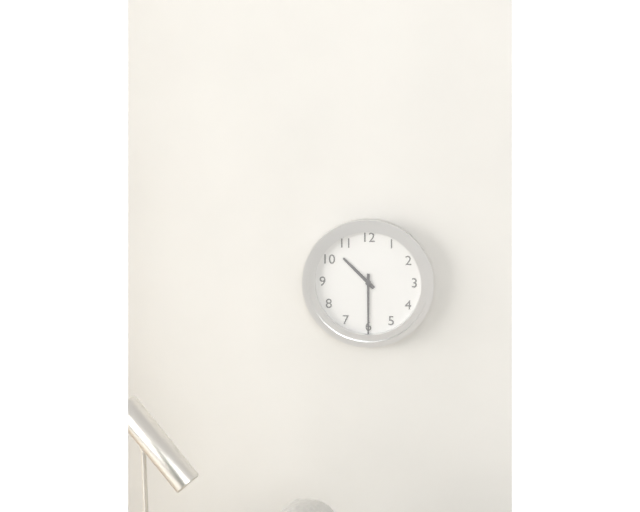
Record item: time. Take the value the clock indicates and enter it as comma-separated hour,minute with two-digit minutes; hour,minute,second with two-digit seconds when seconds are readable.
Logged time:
10,30
